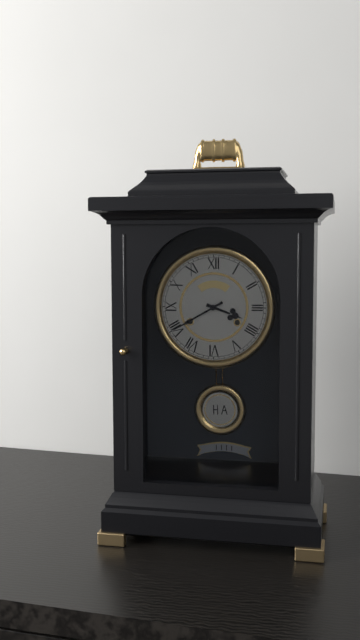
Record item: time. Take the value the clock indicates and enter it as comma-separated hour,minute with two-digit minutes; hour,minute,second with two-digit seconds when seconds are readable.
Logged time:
3,40
